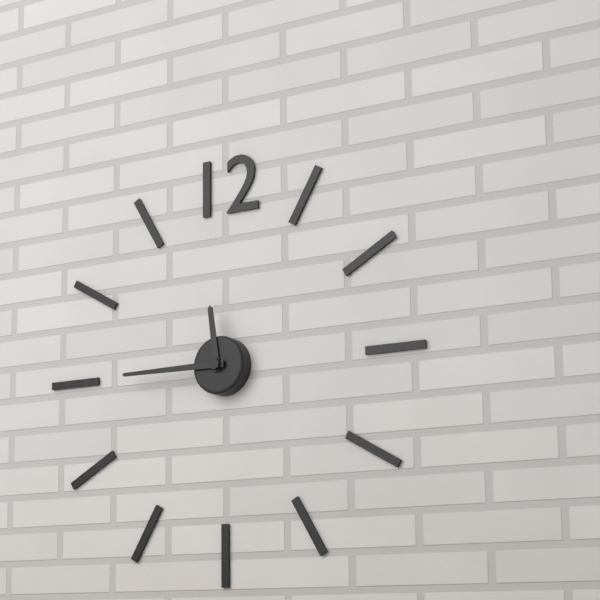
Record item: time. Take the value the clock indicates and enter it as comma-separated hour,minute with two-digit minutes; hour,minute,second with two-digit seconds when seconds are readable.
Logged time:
11,45
